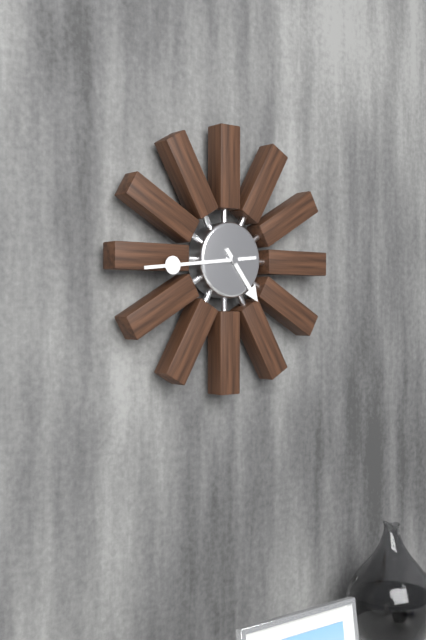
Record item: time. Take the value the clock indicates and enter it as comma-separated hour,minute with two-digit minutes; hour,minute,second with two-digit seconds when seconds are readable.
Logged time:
4,44
